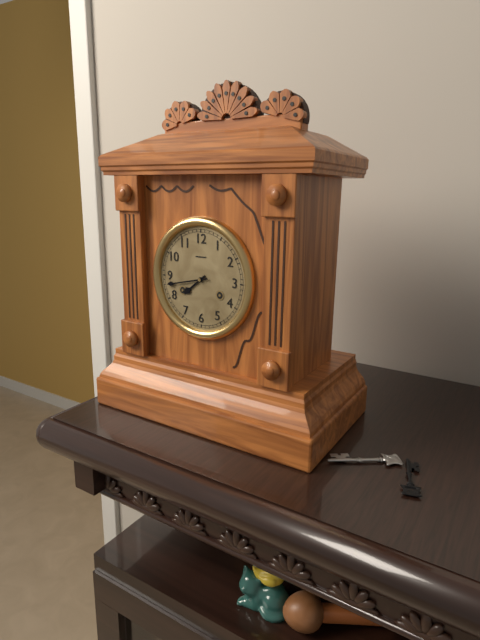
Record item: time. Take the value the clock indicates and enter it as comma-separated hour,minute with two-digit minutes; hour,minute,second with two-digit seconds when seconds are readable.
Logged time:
7,43
